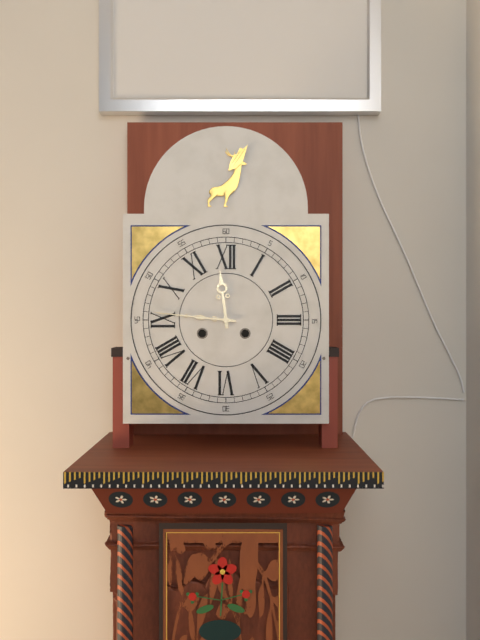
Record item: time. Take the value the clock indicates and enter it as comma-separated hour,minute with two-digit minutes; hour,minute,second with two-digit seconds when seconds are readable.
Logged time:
11,46
